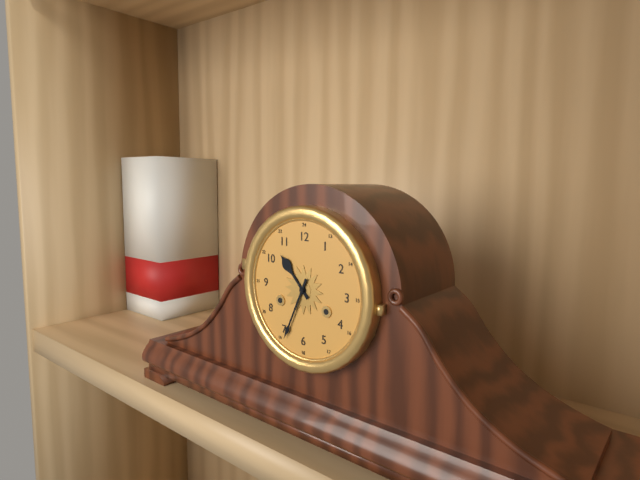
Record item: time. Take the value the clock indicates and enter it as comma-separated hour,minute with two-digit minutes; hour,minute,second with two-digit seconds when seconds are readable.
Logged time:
10,34
